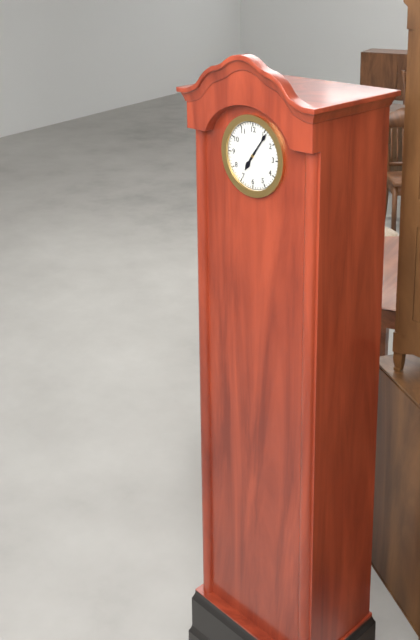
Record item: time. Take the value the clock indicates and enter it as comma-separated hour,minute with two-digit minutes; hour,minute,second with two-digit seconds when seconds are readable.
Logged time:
7,06
